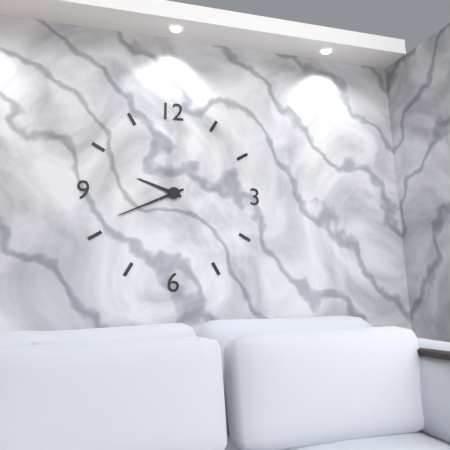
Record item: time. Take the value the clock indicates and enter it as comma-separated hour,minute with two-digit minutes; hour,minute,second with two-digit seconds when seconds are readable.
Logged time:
9,41
